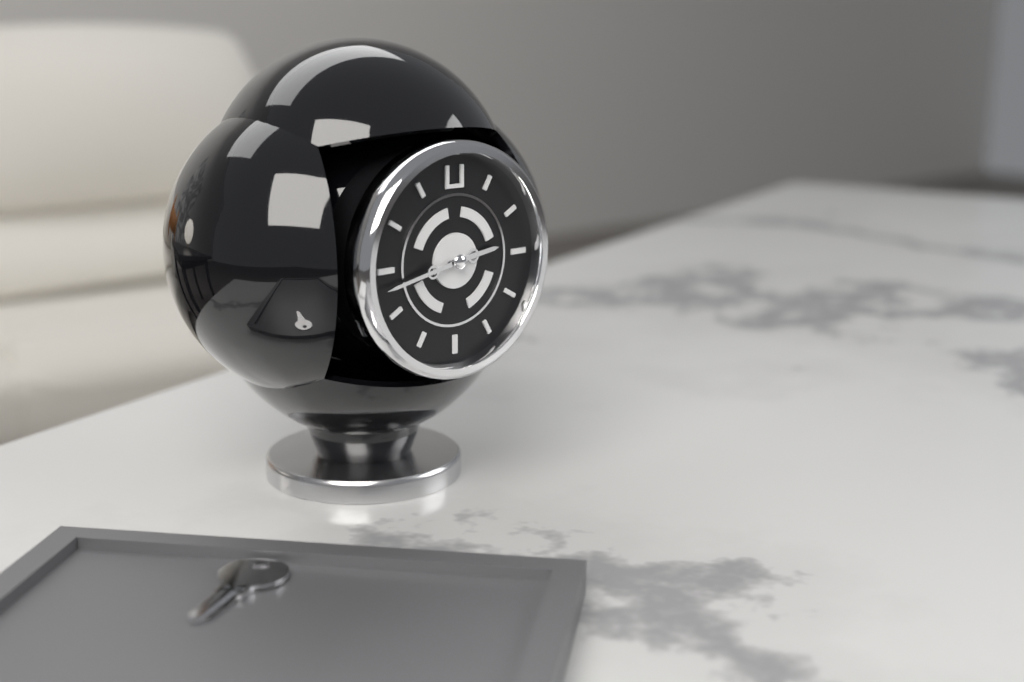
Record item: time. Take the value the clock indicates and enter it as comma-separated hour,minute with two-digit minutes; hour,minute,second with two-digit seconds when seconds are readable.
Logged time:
2,43
